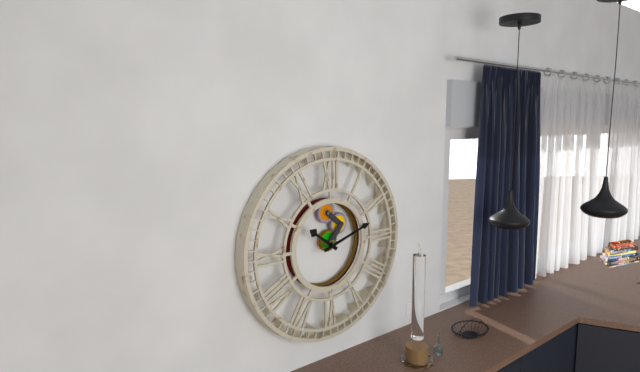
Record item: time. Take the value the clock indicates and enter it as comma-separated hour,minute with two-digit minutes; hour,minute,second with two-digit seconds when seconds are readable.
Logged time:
10,12
